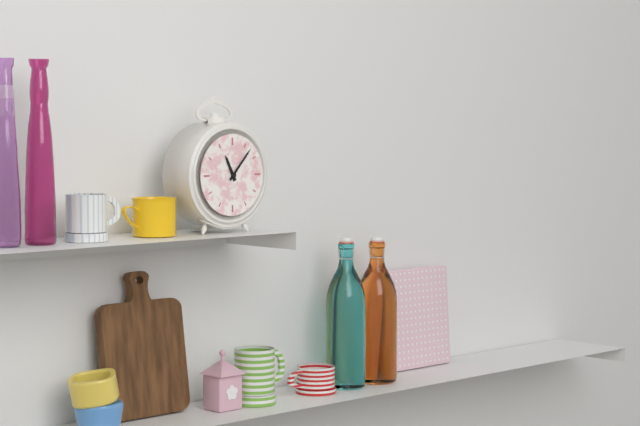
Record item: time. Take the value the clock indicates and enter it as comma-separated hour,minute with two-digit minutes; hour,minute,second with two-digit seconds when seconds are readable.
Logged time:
11,07
